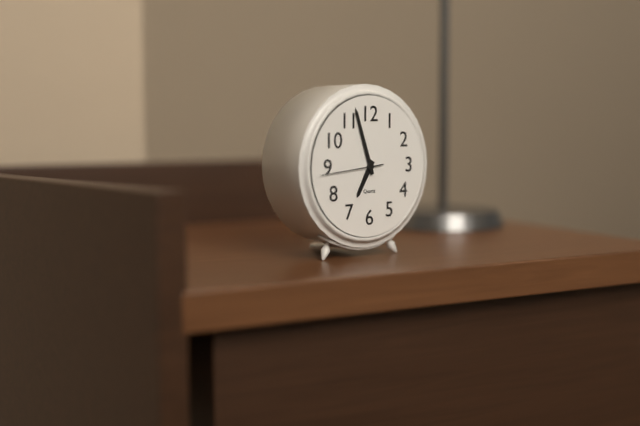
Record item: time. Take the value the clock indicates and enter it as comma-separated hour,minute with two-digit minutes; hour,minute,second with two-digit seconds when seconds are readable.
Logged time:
6,57,44
